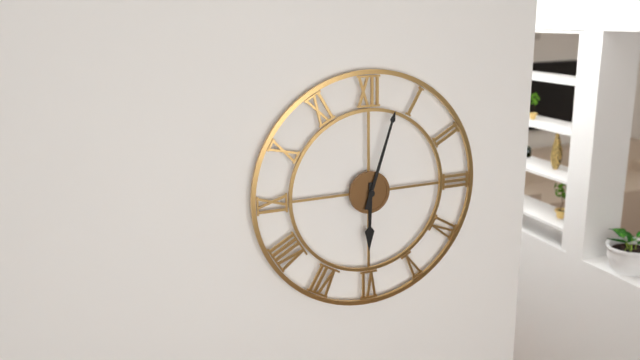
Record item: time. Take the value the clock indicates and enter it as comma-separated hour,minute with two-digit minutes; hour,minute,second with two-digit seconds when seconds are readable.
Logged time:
6,03
